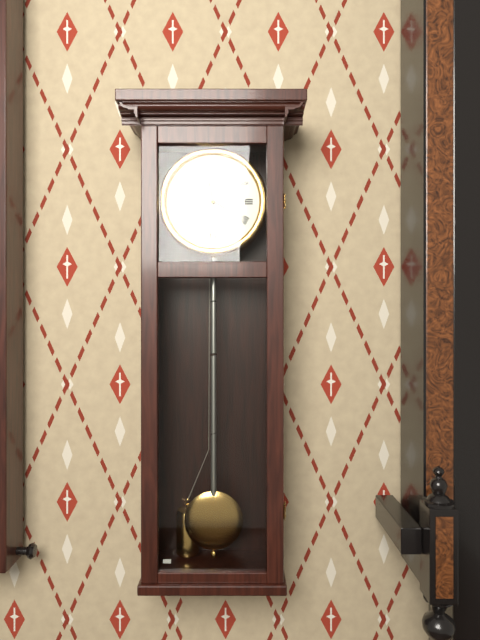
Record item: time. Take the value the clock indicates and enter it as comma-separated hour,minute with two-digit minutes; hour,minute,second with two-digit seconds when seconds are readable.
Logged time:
3,58
